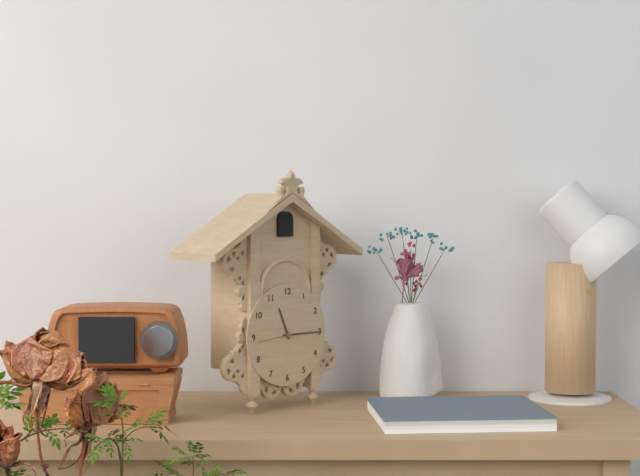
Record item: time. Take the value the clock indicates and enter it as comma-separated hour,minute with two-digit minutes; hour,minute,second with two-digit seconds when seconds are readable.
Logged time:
11,15
